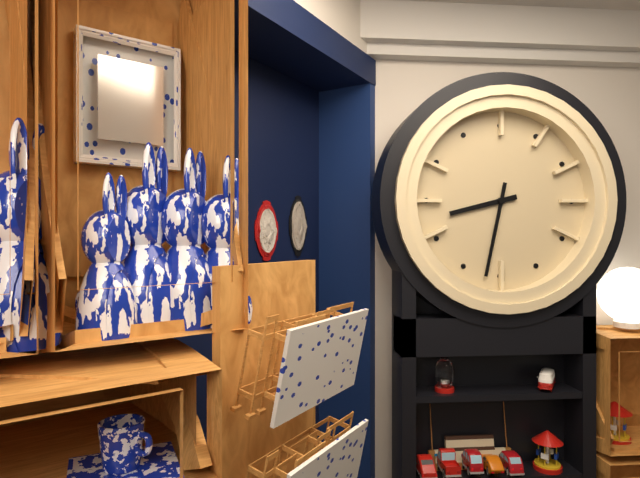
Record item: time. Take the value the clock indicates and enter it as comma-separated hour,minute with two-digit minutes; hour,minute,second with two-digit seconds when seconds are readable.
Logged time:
8,32
